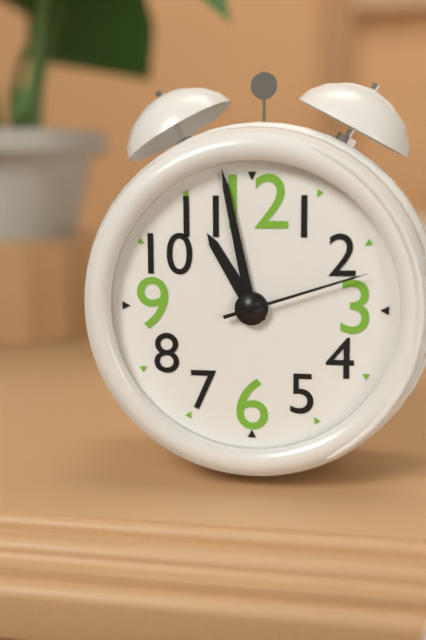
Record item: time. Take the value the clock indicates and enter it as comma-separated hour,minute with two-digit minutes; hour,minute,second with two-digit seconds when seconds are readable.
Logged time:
10,58,12
